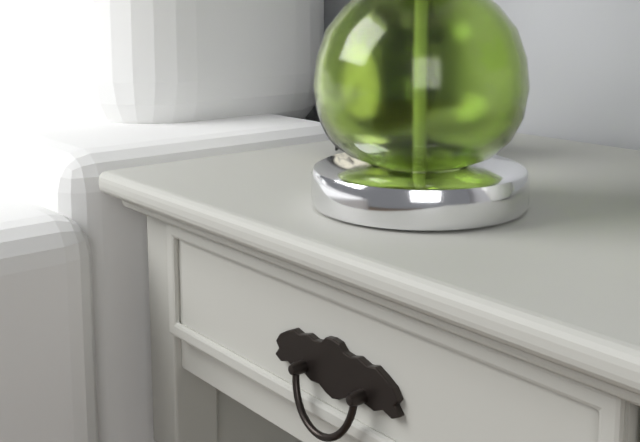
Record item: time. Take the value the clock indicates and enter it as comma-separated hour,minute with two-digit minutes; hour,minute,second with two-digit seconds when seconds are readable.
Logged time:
6,38
